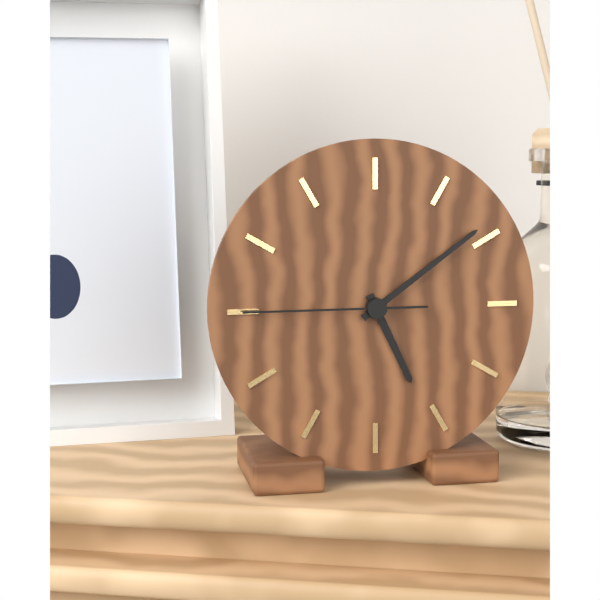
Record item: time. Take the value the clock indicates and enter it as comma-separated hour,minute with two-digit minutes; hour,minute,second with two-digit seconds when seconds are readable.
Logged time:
5,09,45
